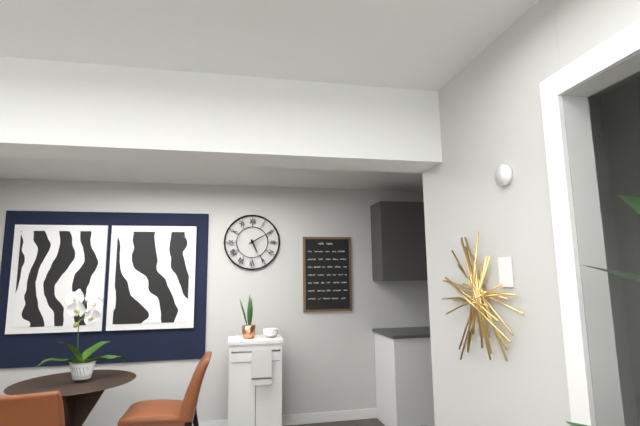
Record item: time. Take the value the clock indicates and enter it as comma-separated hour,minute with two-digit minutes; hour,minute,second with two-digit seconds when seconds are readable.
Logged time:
5,10
